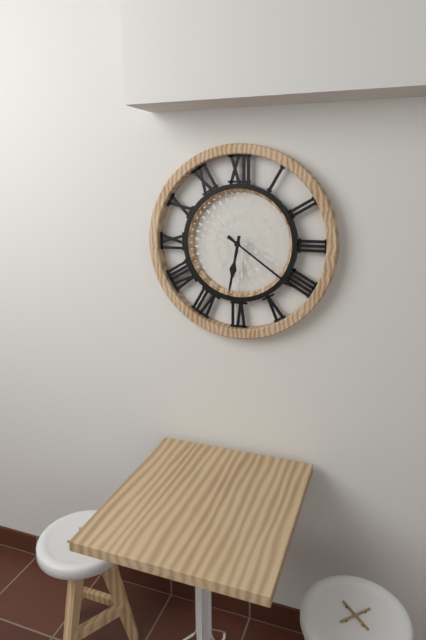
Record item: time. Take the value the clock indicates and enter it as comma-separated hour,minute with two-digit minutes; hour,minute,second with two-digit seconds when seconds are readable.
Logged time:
6,21
